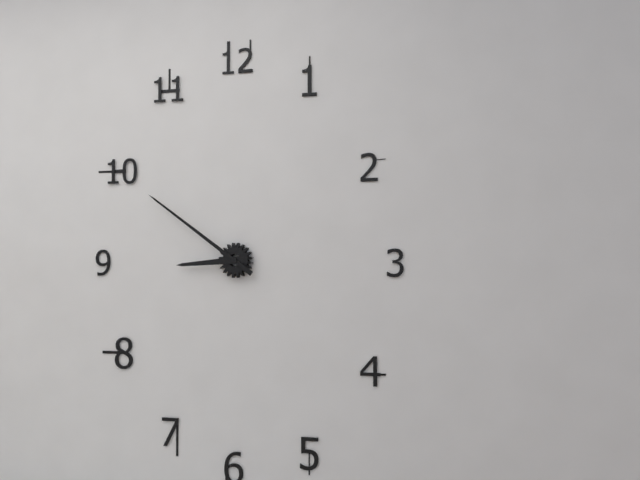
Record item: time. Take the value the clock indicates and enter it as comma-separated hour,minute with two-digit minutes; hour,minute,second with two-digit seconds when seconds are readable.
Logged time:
8,51
